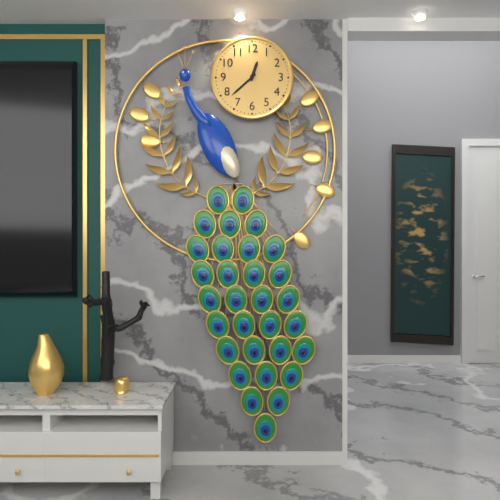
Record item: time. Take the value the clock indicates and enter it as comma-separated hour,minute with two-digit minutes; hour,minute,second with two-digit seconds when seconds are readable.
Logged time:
12,38
